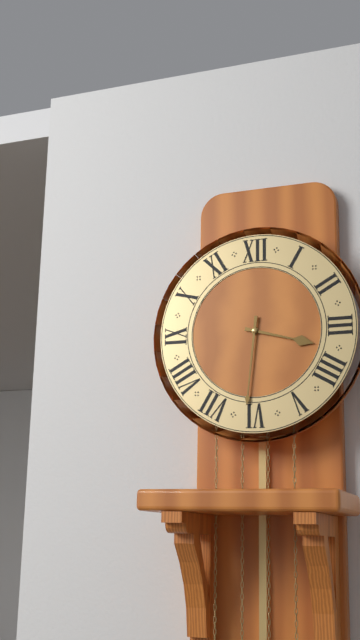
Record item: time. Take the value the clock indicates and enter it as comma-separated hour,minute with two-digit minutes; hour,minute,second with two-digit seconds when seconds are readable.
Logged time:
3,31
